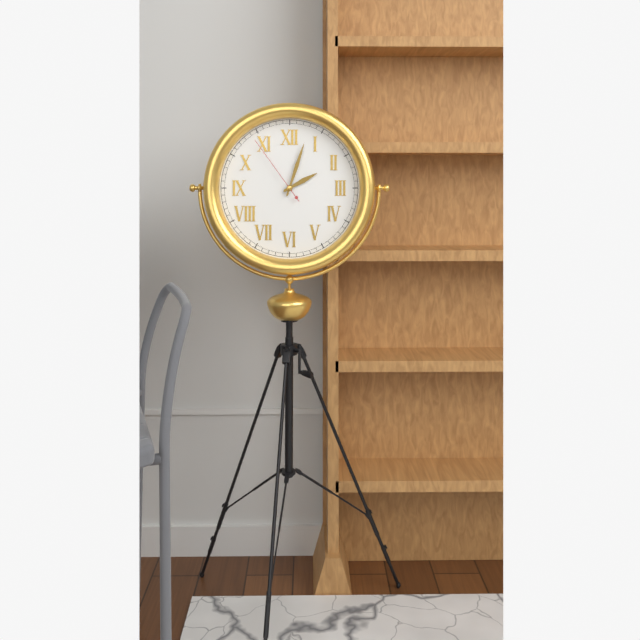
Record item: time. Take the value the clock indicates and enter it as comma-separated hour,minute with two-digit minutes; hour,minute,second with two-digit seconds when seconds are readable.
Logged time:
2,03,54
